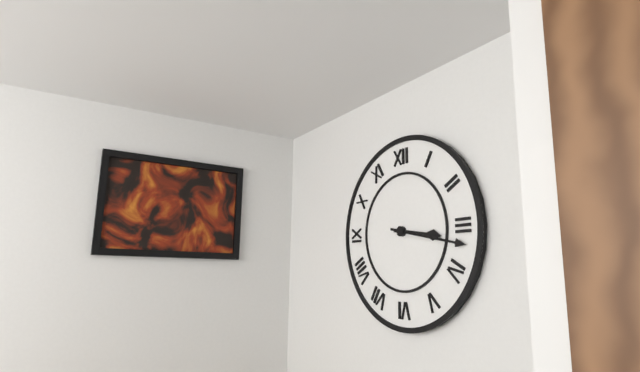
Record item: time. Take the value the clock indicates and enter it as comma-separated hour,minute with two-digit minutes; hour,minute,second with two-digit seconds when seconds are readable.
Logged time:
3,17
